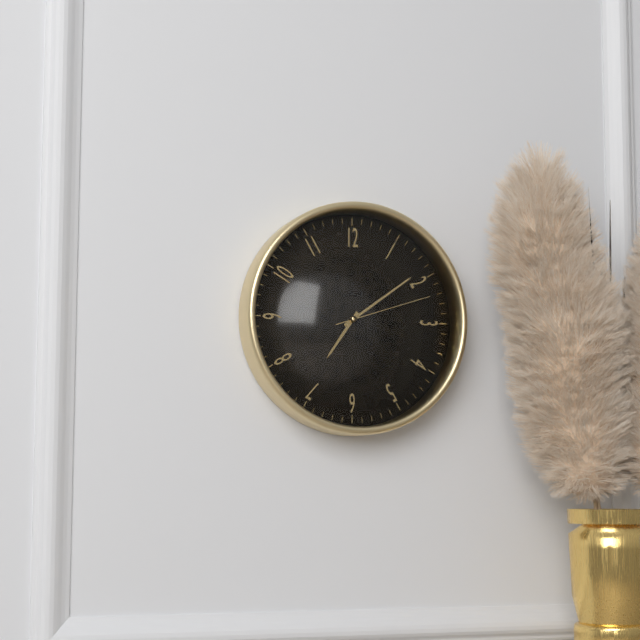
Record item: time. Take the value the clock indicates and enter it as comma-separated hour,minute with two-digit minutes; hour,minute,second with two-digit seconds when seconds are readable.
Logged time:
7,09,12
